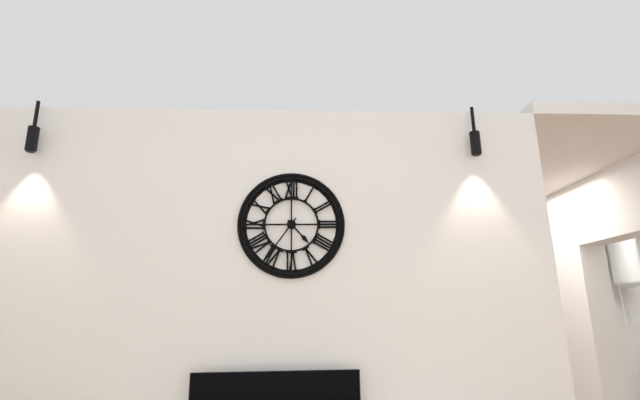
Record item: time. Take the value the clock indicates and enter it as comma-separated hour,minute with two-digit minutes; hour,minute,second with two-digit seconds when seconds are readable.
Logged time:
4,36
